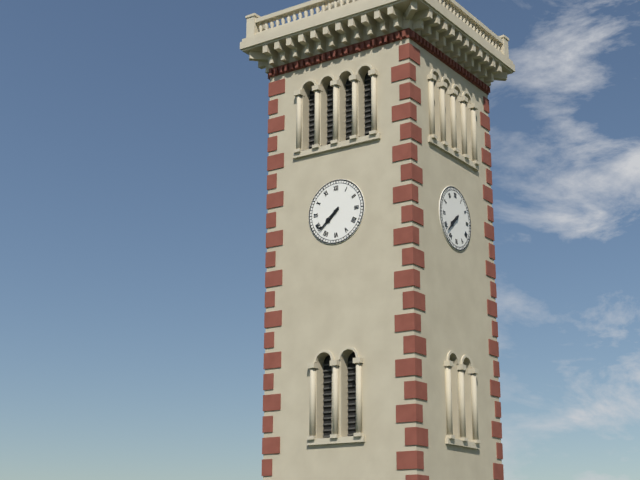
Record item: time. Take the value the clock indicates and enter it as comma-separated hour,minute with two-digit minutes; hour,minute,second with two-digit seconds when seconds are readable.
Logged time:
7,38
